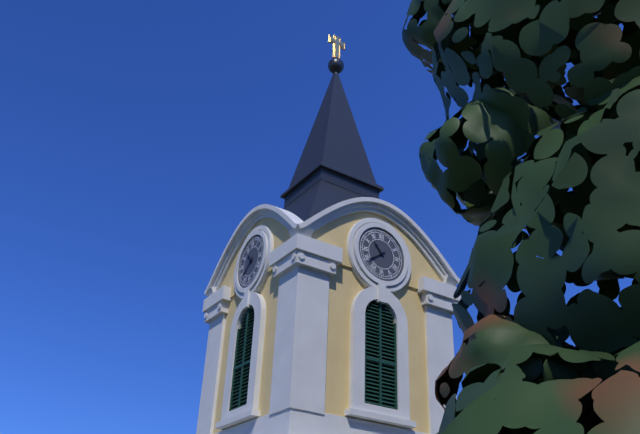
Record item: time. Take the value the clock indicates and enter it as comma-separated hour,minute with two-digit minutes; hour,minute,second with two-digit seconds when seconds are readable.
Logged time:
10,39
